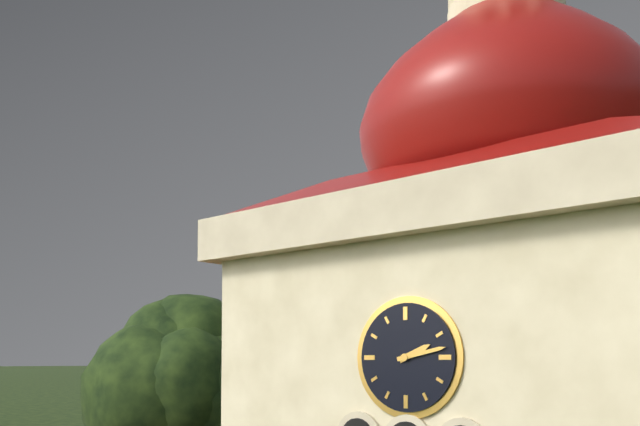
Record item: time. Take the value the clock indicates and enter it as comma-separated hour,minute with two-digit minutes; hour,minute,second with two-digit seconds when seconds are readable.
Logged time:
2,13
